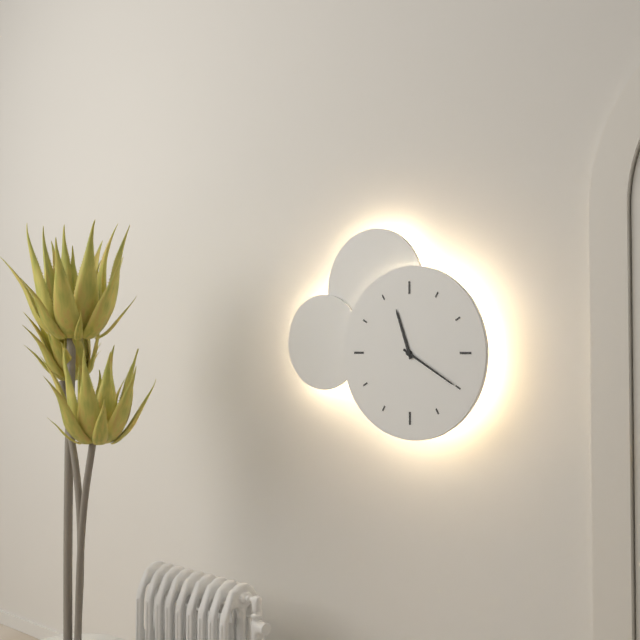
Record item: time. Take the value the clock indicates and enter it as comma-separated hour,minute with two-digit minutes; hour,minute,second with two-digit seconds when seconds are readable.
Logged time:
11,20
